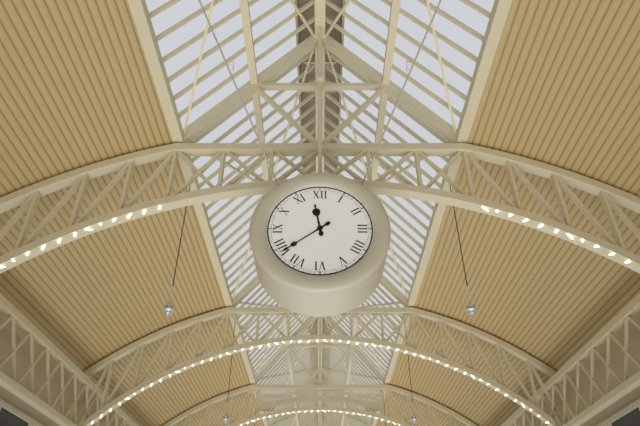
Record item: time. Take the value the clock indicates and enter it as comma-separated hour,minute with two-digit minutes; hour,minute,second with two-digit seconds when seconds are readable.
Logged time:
11,39
